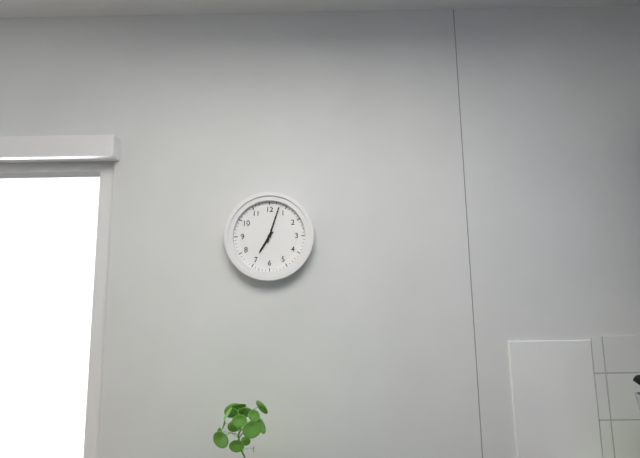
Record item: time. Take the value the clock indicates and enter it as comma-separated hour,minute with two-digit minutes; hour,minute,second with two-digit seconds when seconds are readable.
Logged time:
7,03
